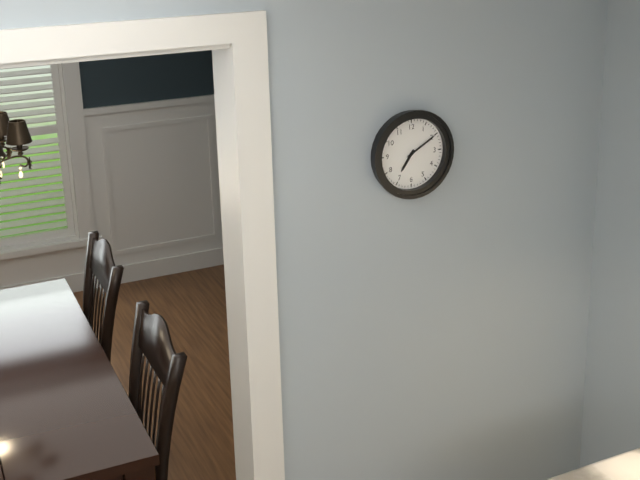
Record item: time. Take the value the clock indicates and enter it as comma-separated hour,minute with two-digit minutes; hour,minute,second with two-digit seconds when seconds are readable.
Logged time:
7,10
